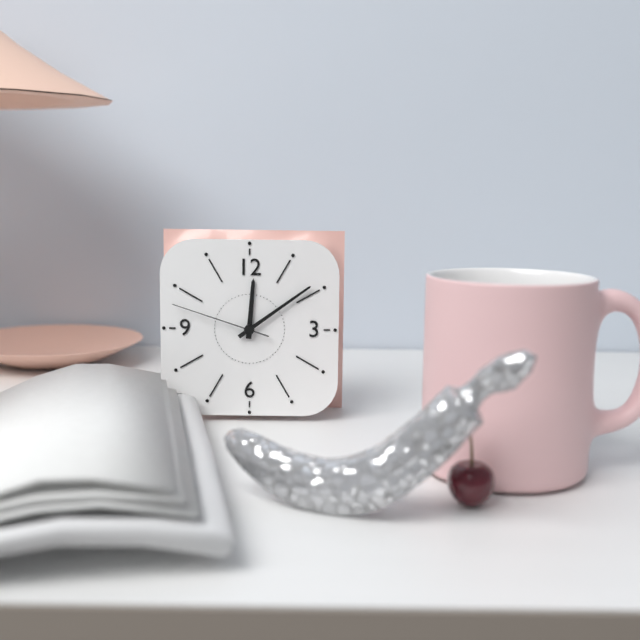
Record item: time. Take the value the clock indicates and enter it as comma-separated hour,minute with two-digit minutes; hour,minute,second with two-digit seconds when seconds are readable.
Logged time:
12,09,48
